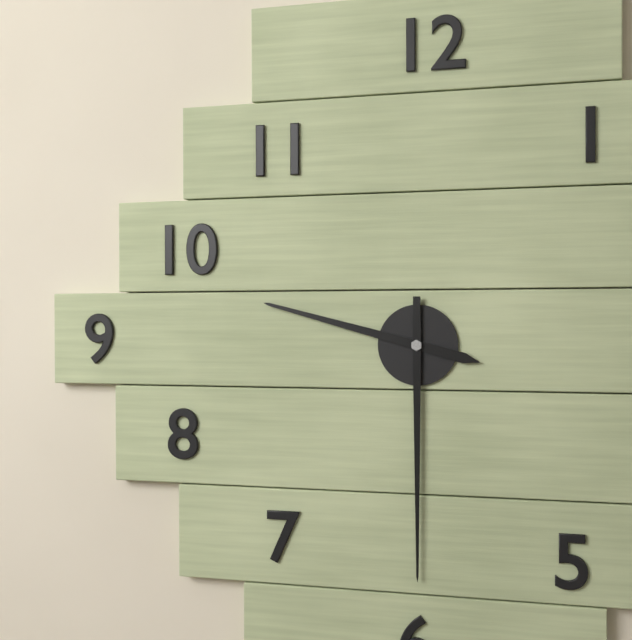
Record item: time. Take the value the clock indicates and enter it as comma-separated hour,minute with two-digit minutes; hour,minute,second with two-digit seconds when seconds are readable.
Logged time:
9,30
